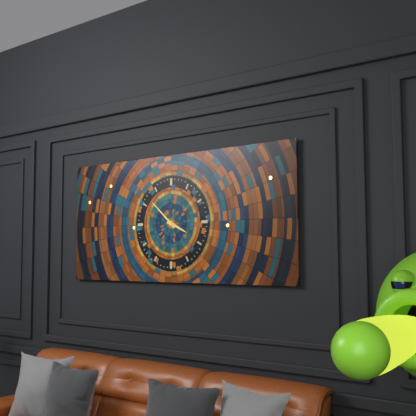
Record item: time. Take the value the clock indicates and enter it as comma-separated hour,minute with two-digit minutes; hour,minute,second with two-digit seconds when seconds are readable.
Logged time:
3,52
